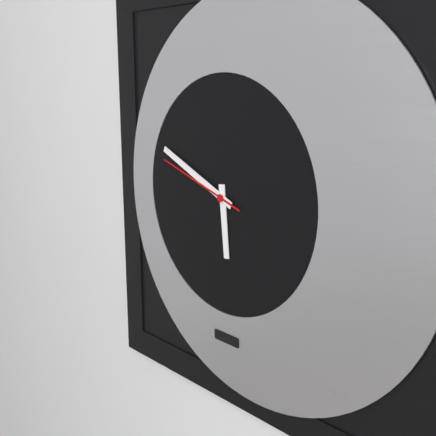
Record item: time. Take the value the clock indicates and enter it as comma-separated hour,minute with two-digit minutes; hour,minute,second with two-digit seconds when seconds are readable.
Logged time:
5,49,48
